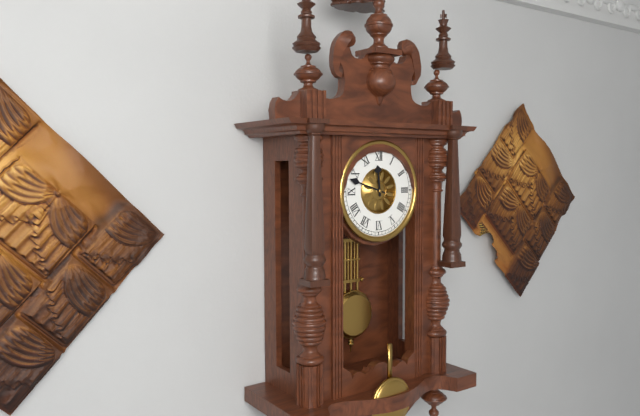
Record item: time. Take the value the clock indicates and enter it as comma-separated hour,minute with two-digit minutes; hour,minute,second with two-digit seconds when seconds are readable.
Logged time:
11,48
